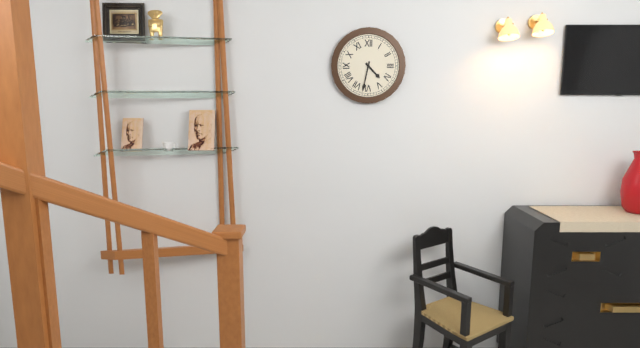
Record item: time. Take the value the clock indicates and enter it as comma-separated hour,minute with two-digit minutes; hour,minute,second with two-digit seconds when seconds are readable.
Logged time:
4,32
